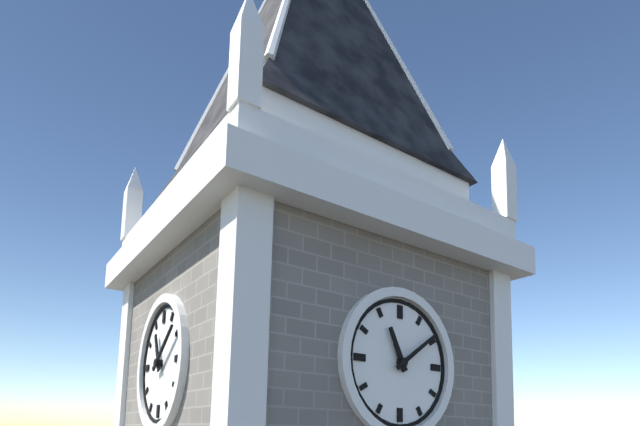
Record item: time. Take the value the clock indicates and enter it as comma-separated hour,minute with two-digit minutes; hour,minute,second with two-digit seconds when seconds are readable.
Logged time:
11,09
